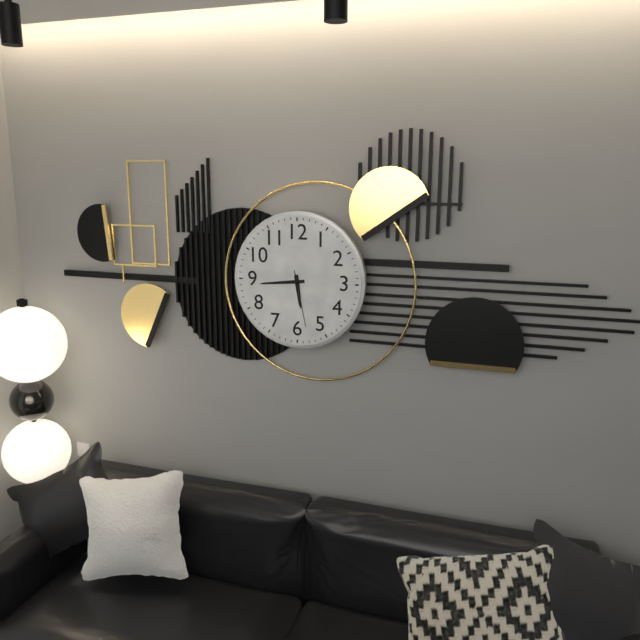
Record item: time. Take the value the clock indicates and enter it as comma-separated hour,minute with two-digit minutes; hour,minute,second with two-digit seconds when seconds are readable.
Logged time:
5,44,28
